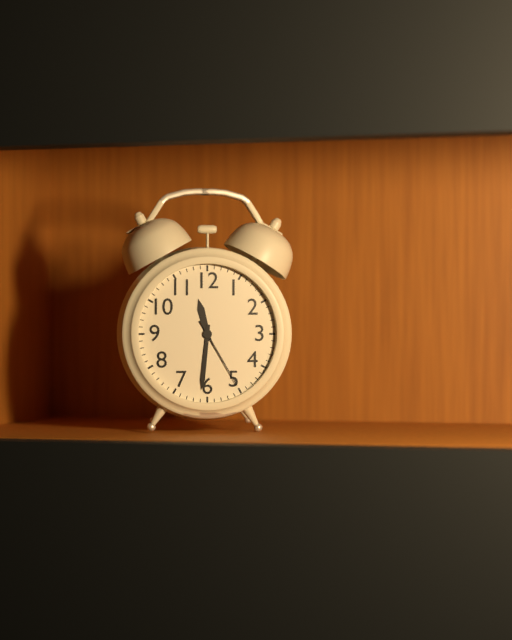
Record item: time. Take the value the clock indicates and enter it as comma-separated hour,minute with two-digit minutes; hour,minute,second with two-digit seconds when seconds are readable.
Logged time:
11,31,25
